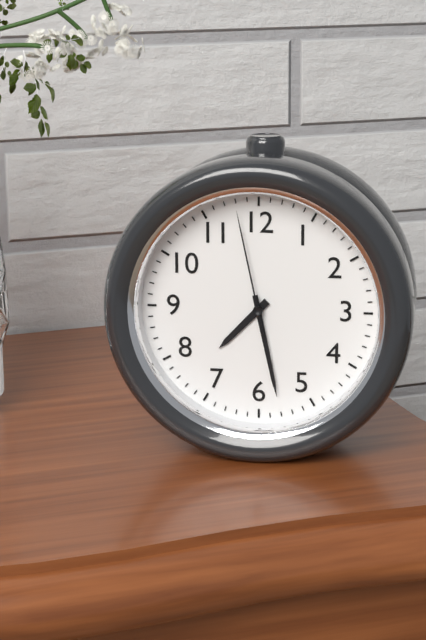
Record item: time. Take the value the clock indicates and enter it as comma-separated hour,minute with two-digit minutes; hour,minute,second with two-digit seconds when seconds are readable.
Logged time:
7,28,58
